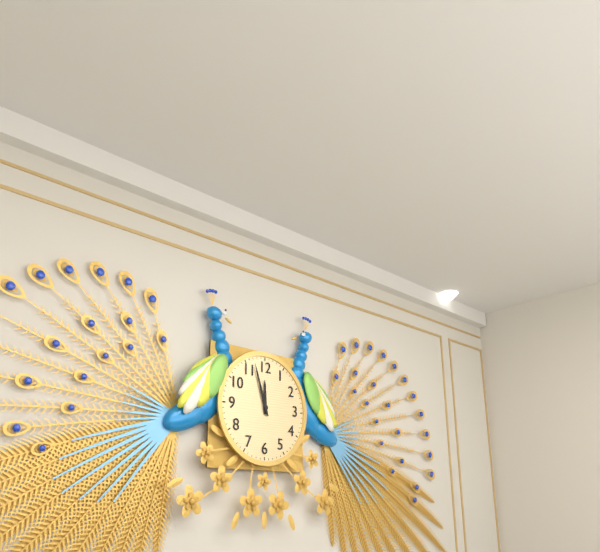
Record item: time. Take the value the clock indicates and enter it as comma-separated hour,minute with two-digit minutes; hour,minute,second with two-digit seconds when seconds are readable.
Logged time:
11,57
